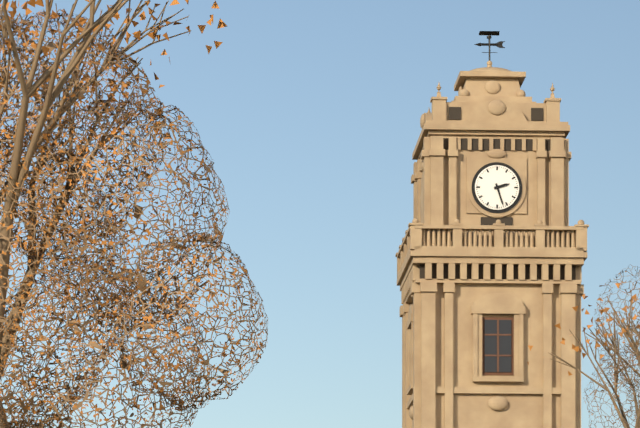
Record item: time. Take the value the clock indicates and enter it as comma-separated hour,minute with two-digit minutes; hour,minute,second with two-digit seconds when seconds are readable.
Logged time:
2,27
